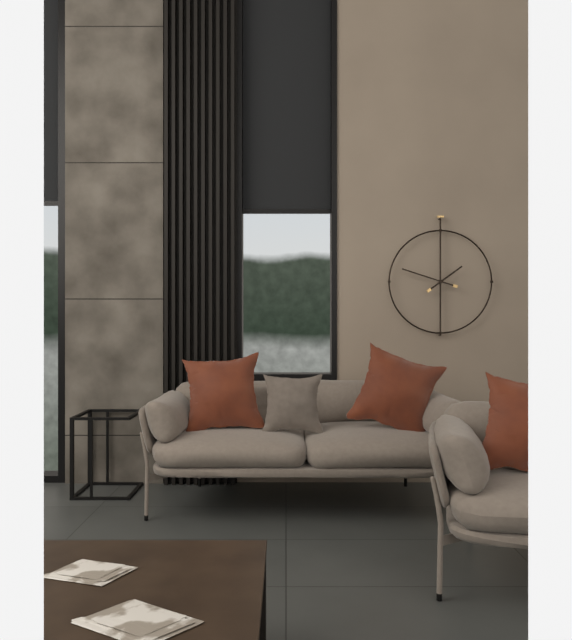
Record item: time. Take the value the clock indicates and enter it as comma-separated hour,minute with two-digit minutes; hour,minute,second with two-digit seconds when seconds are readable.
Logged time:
1,48
